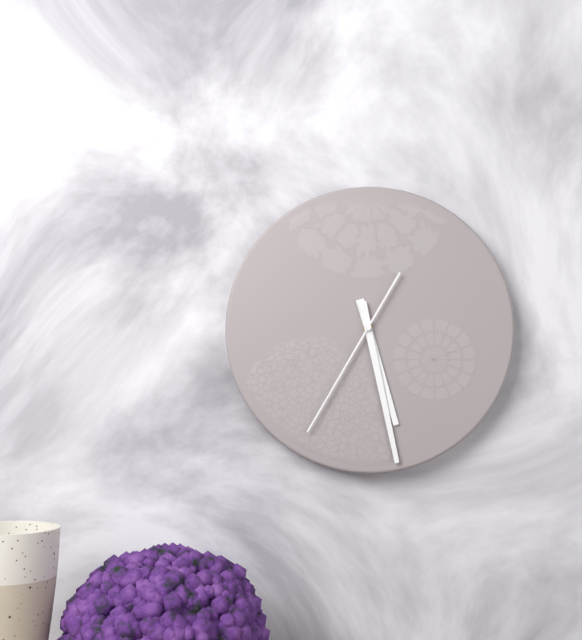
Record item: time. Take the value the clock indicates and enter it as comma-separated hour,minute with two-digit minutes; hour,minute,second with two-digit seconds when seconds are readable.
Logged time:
5,28,35
